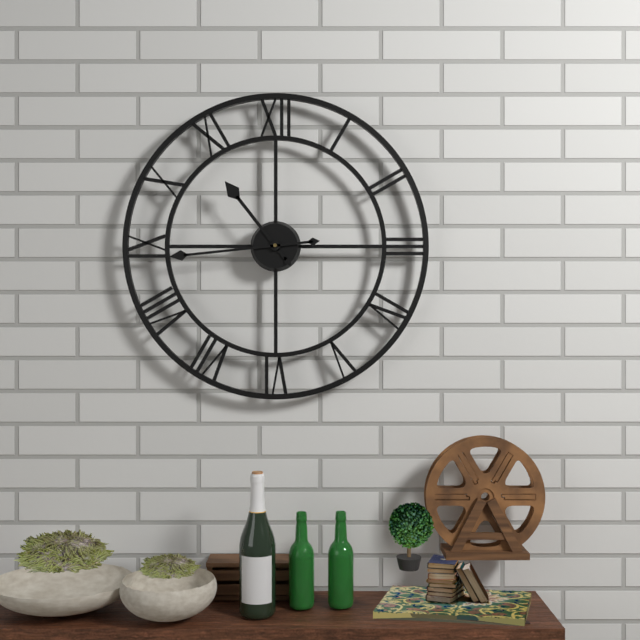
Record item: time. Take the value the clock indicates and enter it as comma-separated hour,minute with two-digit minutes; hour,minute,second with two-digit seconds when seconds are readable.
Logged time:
10,44
